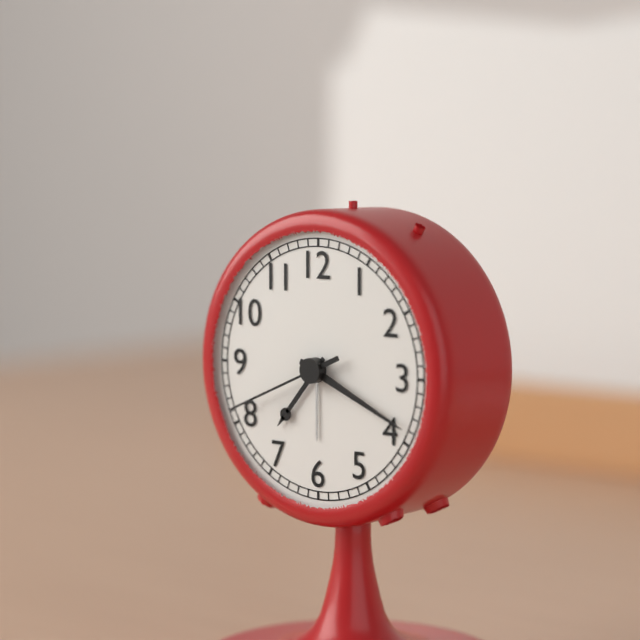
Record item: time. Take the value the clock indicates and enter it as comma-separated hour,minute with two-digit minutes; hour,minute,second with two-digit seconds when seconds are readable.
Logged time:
7,19,41
